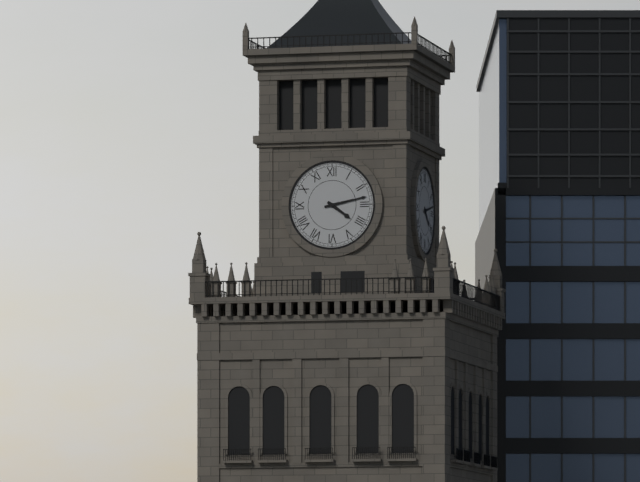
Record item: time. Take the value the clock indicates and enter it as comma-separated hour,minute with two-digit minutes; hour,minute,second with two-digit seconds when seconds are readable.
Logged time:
4,13
